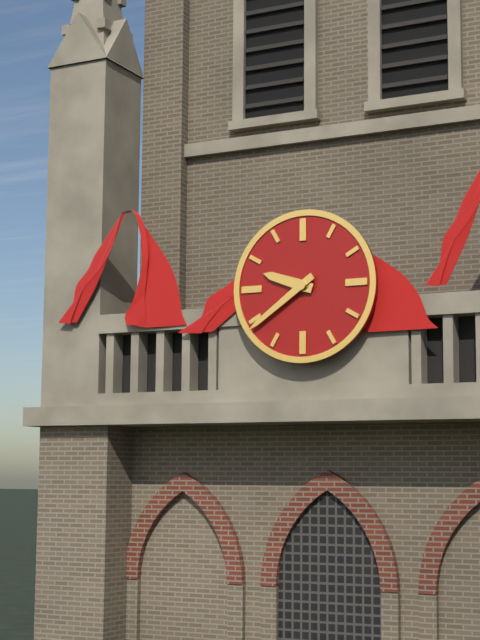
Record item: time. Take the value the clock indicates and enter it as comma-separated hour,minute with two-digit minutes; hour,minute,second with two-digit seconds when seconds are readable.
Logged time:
9,39
